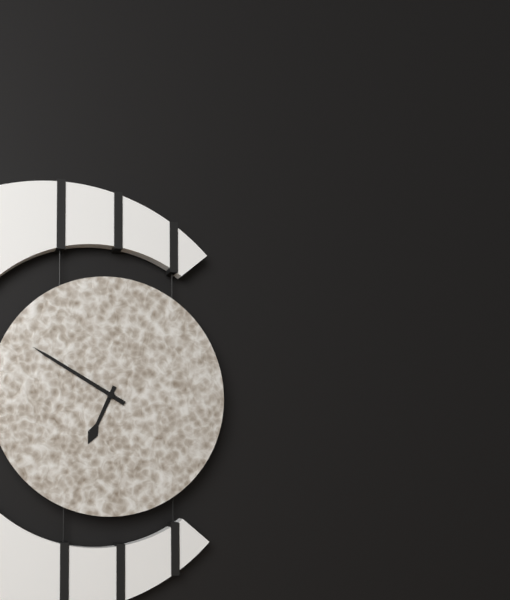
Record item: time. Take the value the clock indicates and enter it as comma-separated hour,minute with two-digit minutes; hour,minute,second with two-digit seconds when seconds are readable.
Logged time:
6,50
